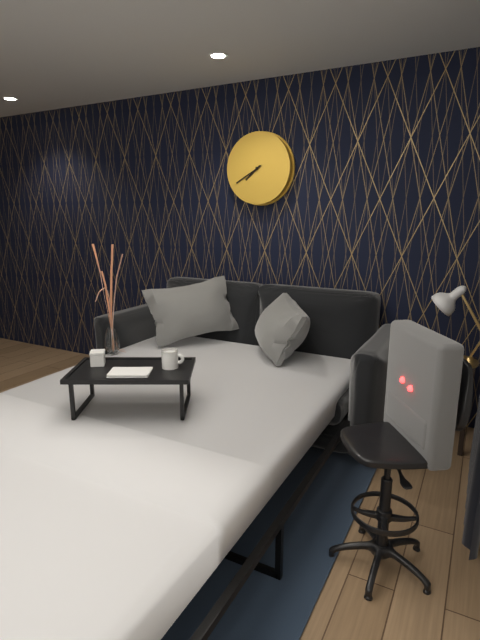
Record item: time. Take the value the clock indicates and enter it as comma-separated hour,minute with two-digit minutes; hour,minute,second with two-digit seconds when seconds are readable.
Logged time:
7,40
